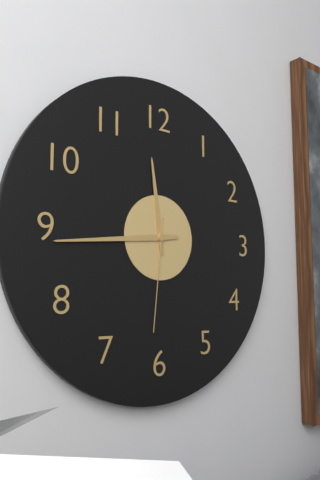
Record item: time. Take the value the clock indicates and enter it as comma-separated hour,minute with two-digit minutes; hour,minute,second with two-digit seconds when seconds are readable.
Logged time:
11,44,31
